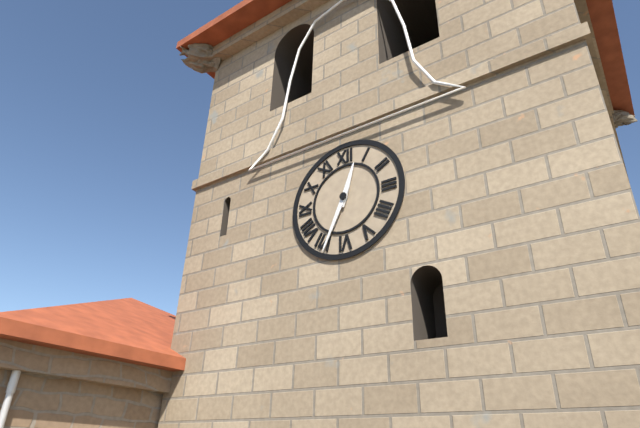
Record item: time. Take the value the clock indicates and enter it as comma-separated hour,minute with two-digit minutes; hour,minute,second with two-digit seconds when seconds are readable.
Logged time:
12,34
